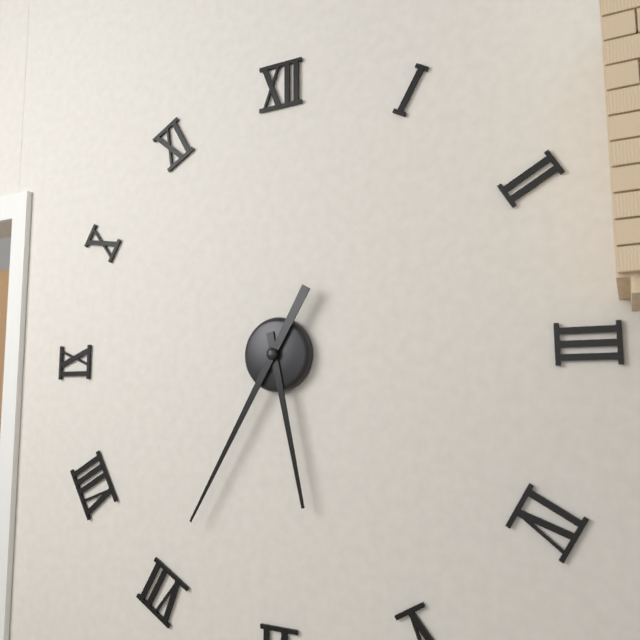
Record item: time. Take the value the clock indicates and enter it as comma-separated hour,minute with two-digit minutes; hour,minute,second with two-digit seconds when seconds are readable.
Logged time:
5,35
